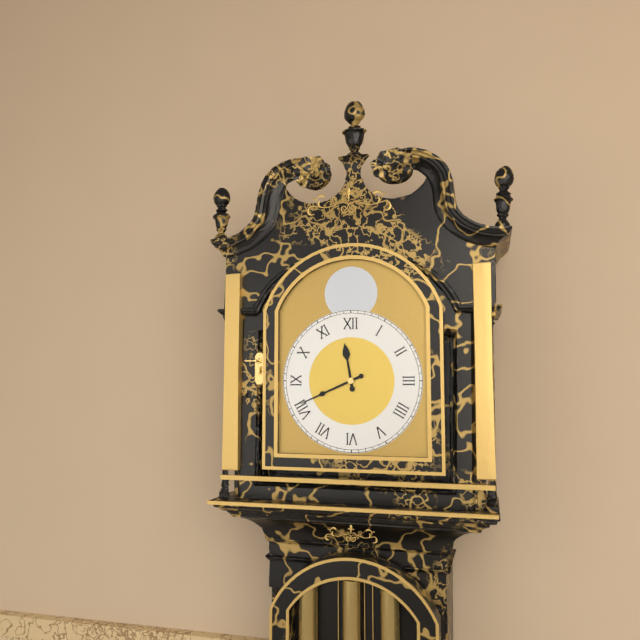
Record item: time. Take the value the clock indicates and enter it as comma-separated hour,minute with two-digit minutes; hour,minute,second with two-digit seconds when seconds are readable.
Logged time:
11,41
